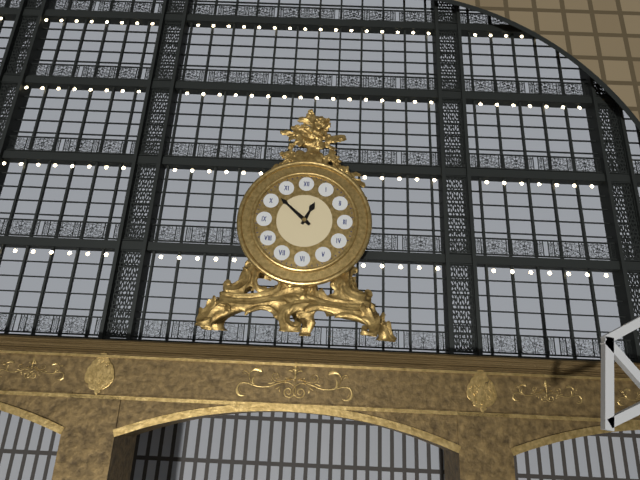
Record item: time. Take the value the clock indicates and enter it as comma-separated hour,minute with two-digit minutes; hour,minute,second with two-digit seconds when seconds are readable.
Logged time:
12,52
